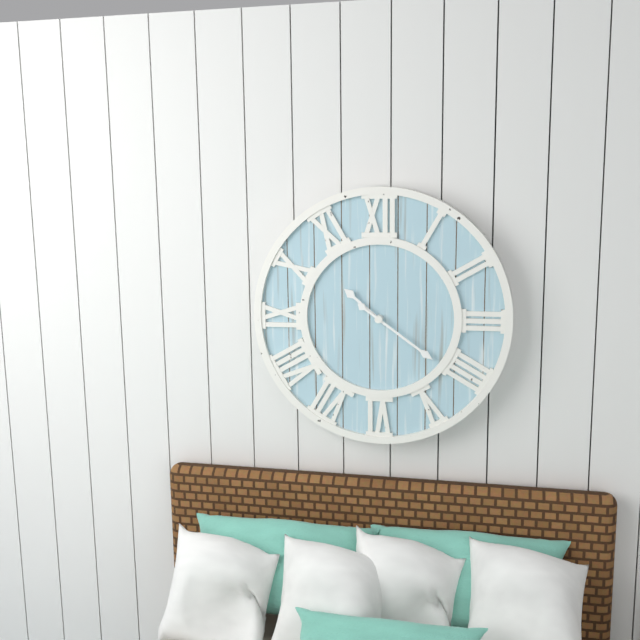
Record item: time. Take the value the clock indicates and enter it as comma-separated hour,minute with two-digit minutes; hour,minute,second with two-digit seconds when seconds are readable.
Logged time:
10,21
